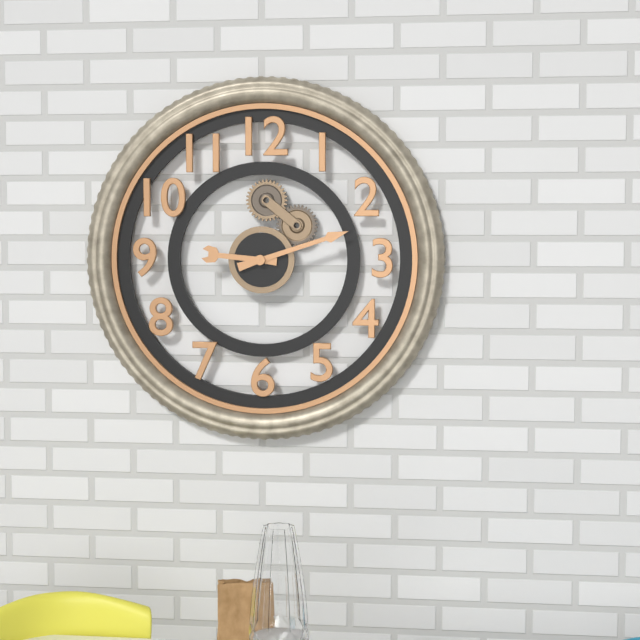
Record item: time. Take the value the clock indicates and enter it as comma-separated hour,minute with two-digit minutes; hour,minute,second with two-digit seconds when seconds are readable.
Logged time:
9,12
